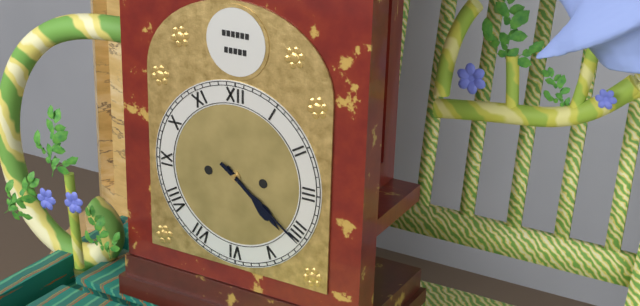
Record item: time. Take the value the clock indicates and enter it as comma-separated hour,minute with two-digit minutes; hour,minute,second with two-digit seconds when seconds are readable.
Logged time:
4,21
